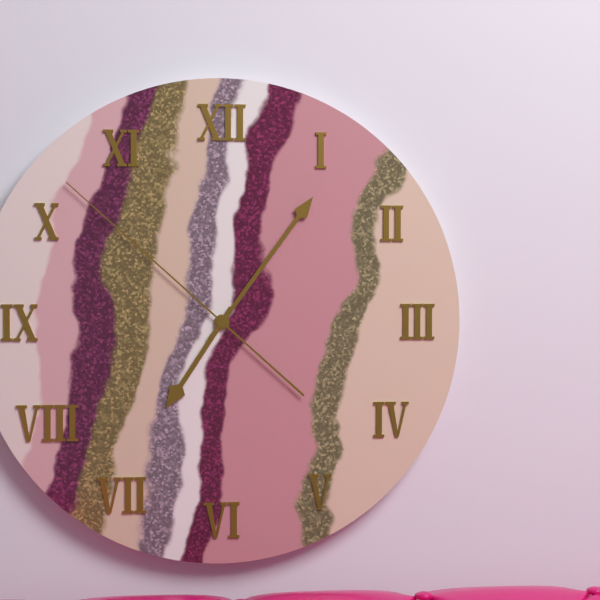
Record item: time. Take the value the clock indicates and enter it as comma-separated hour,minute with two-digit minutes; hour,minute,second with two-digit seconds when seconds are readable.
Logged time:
7,06,52
